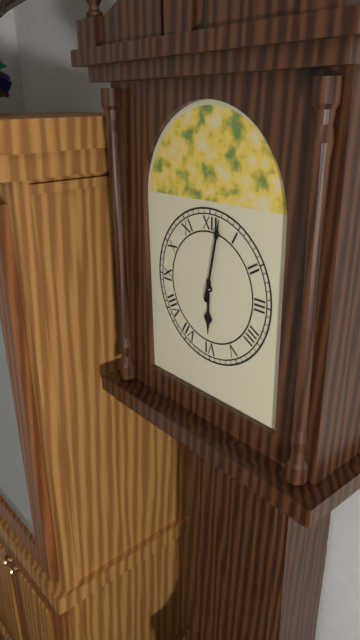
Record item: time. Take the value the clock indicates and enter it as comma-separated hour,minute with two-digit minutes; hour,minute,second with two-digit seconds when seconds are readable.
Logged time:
6,02
